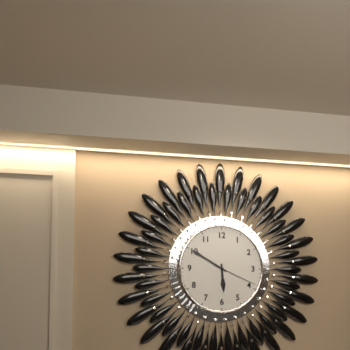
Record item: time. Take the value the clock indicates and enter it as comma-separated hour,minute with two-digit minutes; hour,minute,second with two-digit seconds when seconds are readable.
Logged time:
5,50
